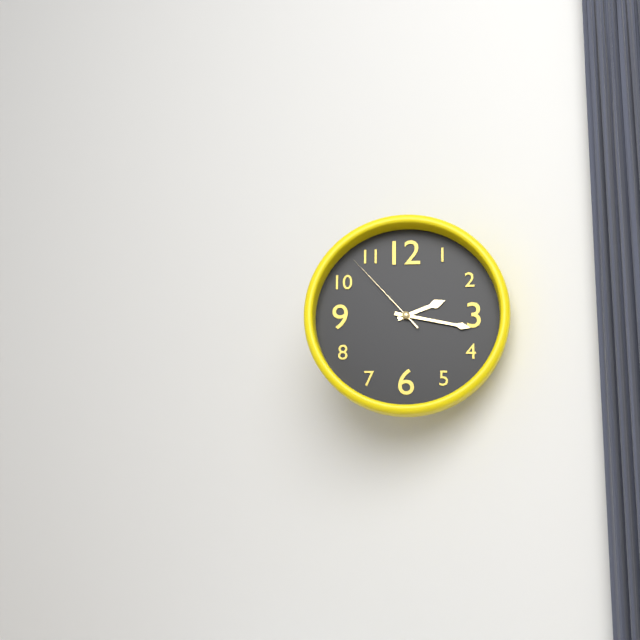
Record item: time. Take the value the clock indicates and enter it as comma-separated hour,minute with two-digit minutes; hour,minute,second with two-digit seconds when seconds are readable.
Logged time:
2,17,53
